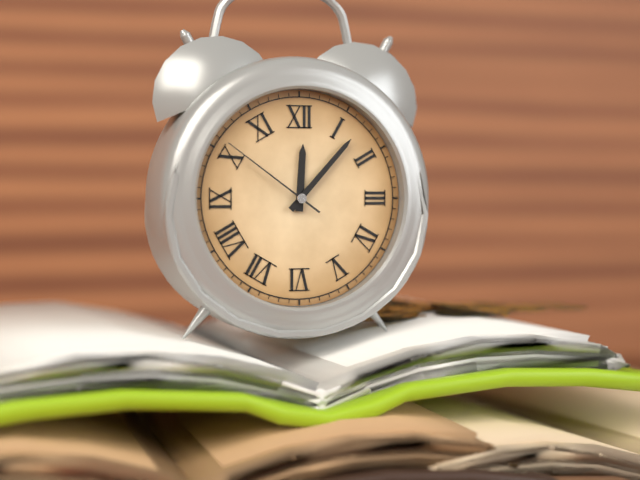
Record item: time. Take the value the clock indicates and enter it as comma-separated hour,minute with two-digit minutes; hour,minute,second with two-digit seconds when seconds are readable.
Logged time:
12,07,51
